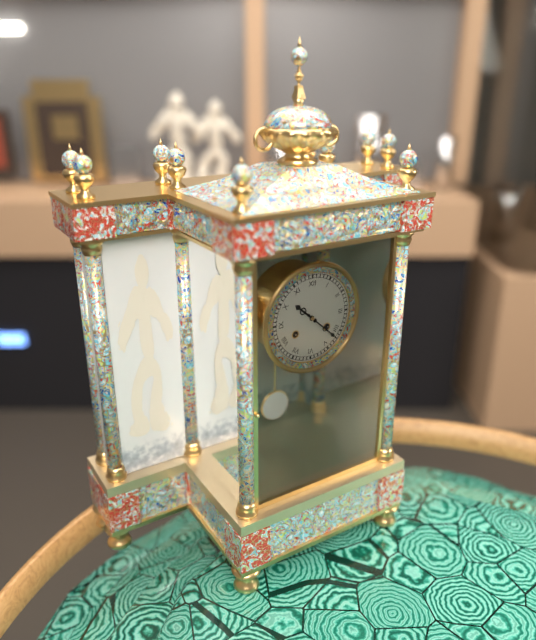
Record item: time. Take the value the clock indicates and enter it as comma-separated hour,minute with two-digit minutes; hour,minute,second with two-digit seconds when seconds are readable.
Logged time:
10,22
